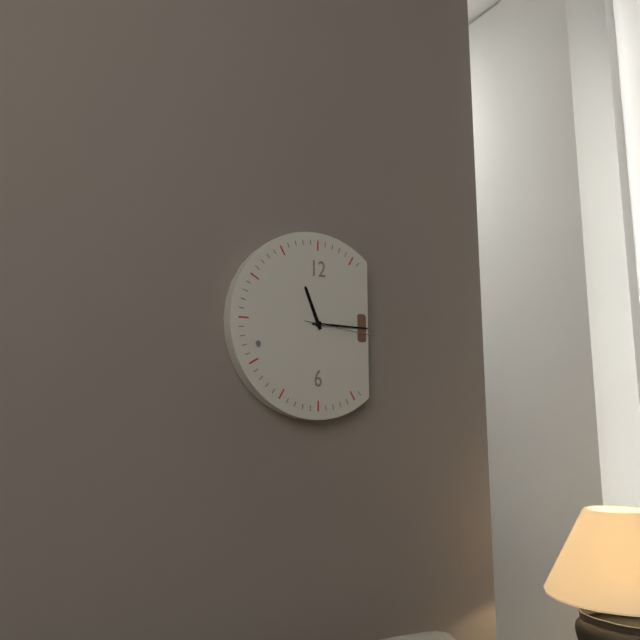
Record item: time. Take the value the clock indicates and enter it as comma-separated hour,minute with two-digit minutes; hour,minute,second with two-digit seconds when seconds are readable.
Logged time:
11,15,16
